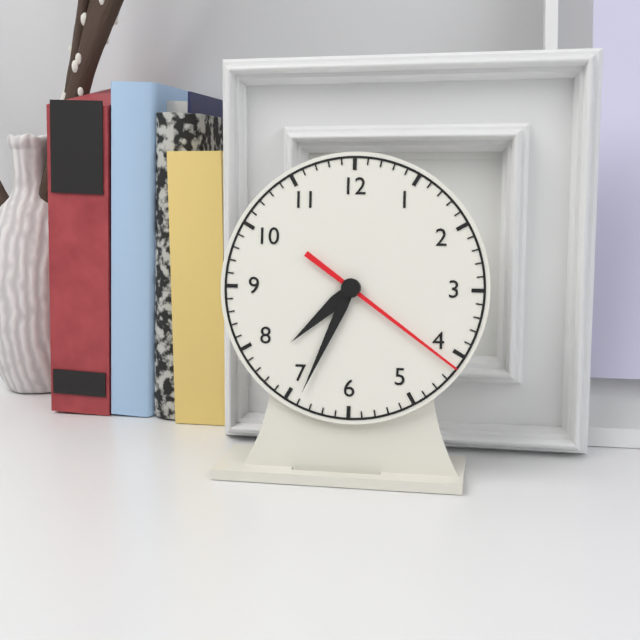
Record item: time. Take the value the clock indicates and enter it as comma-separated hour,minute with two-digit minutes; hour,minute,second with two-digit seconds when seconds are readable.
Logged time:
7,34,21
